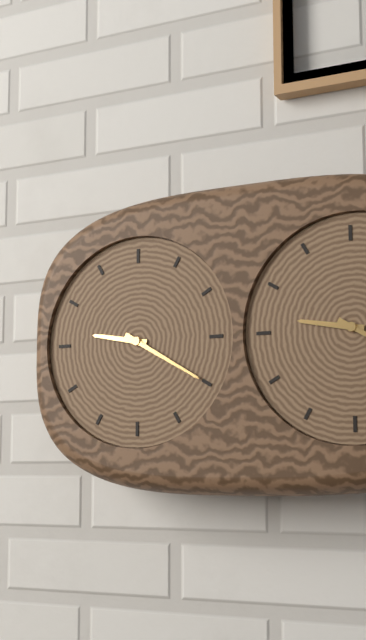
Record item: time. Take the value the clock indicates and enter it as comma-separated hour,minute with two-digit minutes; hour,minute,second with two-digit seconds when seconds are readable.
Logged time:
9,20
